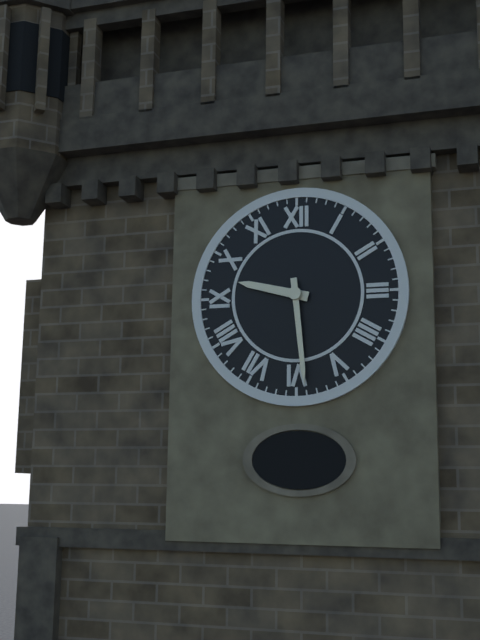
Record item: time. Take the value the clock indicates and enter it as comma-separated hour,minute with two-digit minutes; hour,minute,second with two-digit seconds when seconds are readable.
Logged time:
9,29
